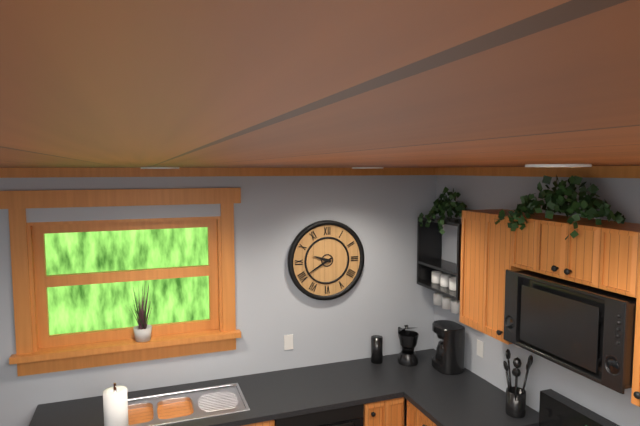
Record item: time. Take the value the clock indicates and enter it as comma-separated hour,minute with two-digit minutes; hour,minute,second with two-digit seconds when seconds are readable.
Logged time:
9,40
